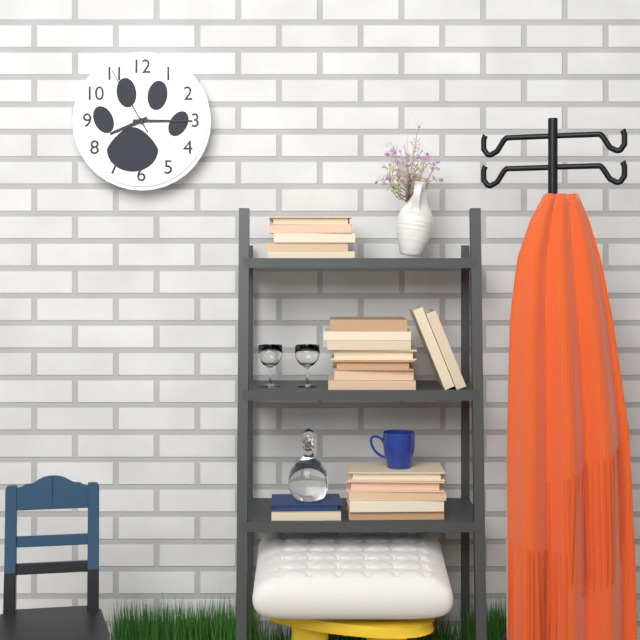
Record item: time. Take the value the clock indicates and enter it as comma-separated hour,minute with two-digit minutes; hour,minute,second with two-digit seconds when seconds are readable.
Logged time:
8,15,55
